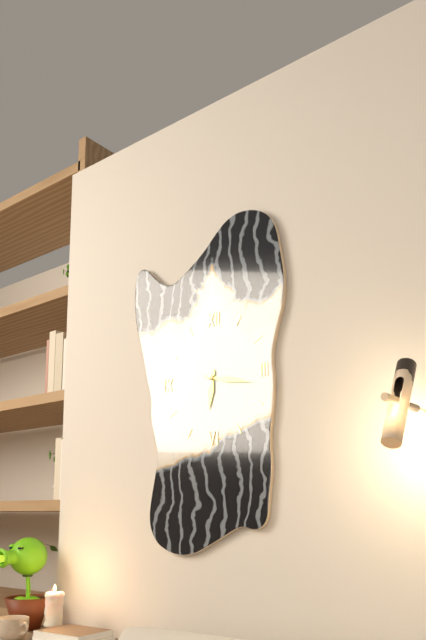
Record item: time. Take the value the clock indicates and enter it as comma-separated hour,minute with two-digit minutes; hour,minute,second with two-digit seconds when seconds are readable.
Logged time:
6,17
